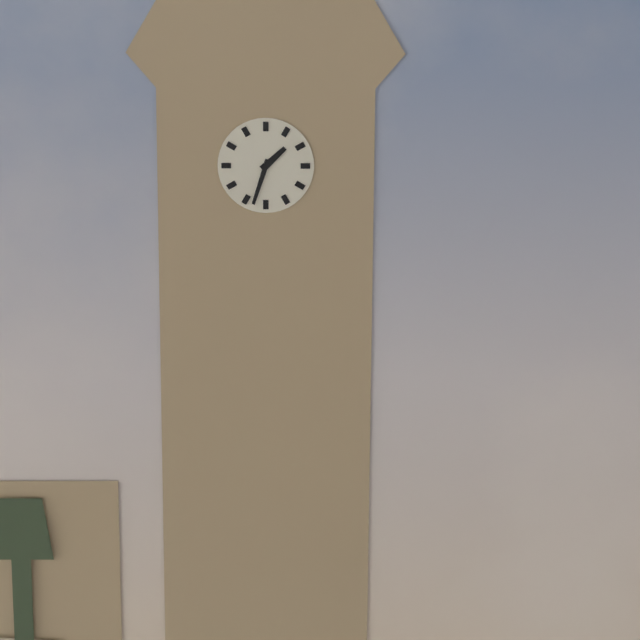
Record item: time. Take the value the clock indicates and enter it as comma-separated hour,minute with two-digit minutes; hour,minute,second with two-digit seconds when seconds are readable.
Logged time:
1,33
